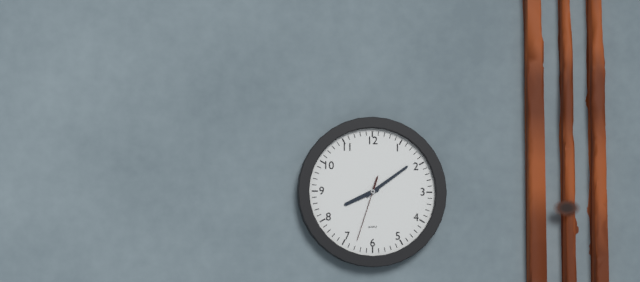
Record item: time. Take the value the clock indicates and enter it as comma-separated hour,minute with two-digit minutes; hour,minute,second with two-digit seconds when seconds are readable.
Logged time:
8,09,33
